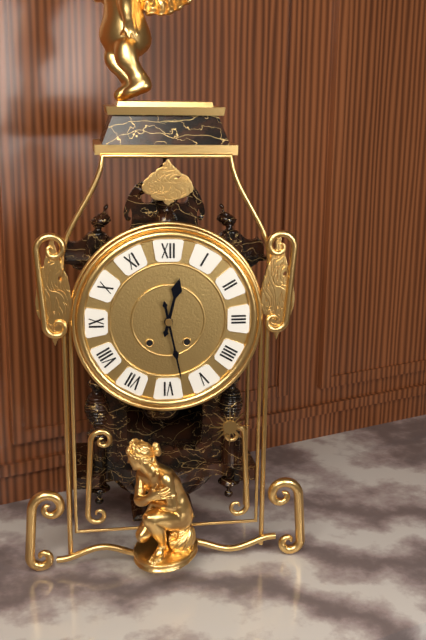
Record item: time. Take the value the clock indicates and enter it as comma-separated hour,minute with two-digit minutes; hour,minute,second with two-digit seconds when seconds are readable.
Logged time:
12,28
